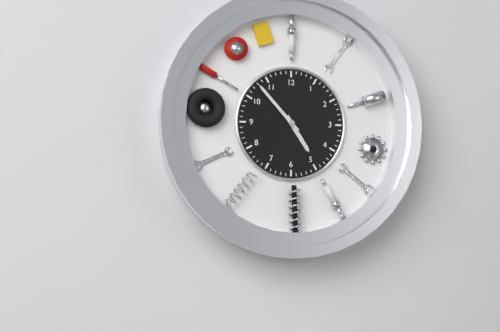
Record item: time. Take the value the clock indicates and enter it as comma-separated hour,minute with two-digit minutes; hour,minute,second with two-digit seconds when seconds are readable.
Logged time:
4,53
